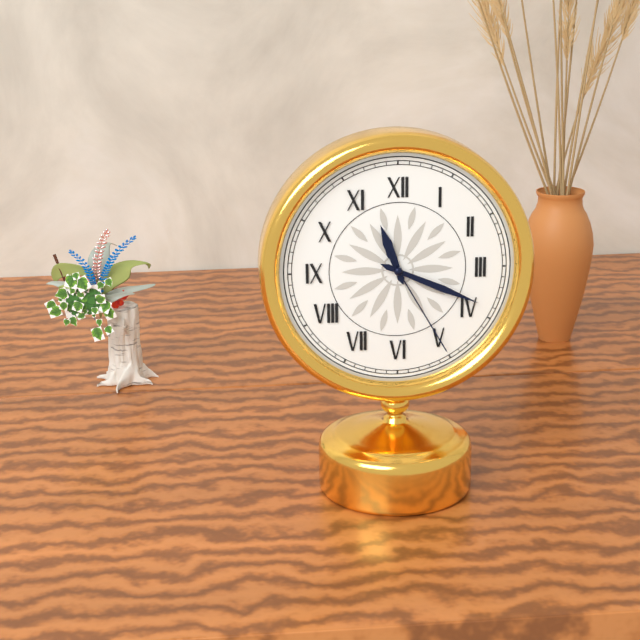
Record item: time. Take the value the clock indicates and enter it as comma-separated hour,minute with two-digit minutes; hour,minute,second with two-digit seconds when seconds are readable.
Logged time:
11,19,25
